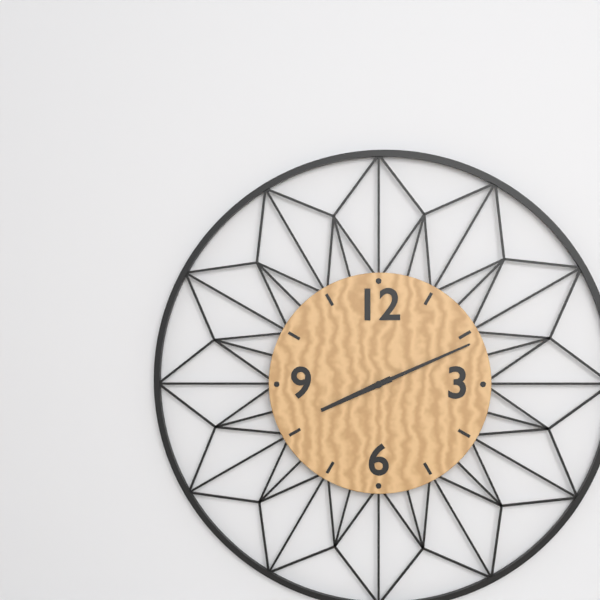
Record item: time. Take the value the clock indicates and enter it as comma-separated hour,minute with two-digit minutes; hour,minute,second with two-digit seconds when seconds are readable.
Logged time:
8,11
